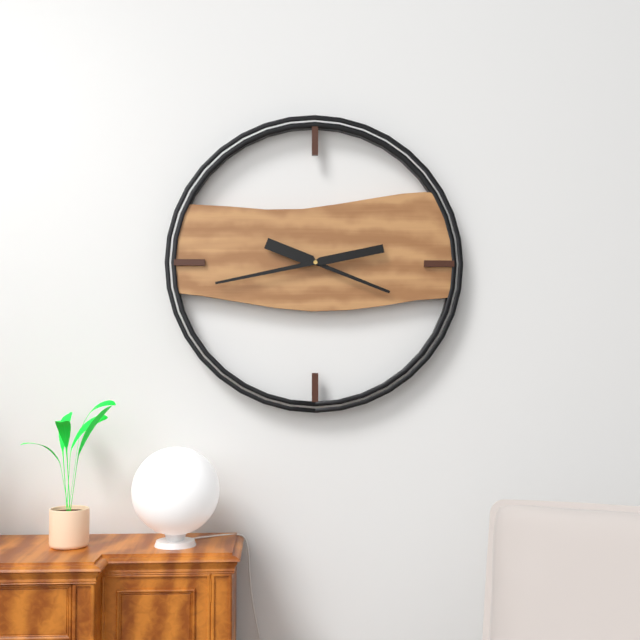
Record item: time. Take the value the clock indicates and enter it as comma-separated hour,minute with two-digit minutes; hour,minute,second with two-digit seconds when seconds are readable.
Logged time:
3,43
